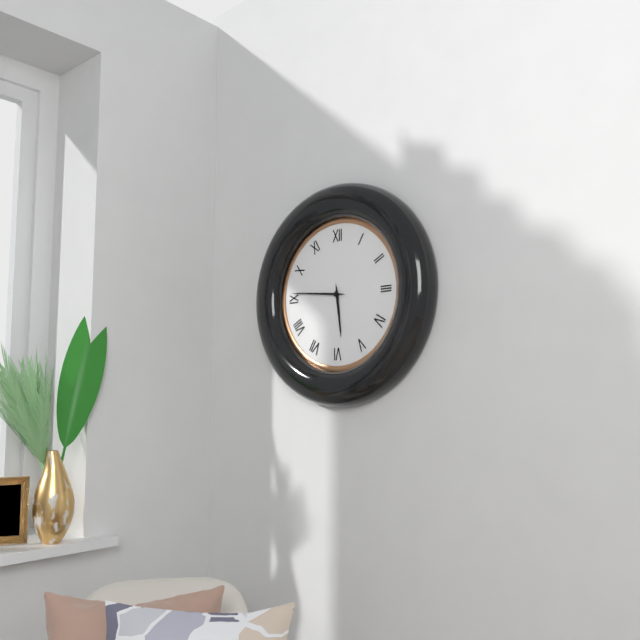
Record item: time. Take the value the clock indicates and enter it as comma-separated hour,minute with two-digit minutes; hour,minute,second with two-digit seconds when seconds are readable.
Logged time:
5,46
